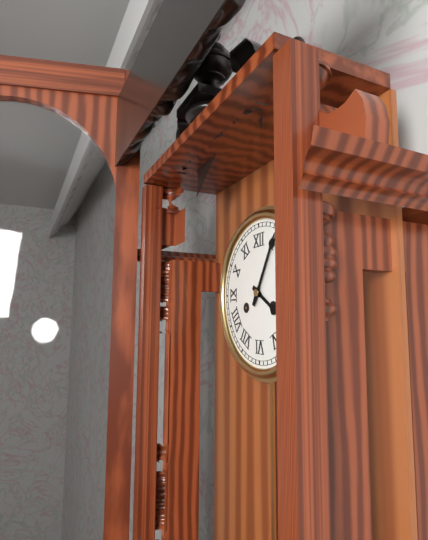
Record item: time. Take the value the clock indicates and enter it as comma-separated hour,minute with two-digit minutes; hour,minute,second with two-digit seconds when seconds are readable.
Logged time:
4,05
